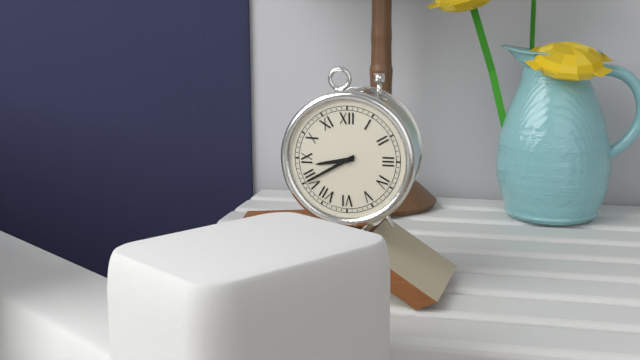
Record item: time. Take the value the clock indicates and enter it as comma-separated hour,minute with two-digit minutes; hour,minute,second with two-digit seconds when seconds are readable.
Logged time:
8,40
